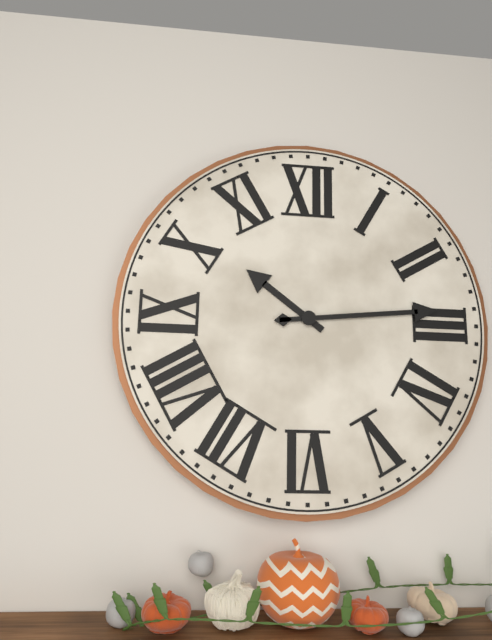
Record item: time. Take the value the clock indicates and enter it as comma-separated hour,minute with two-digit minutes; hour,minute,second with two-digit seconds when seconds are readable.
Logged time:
10,14
